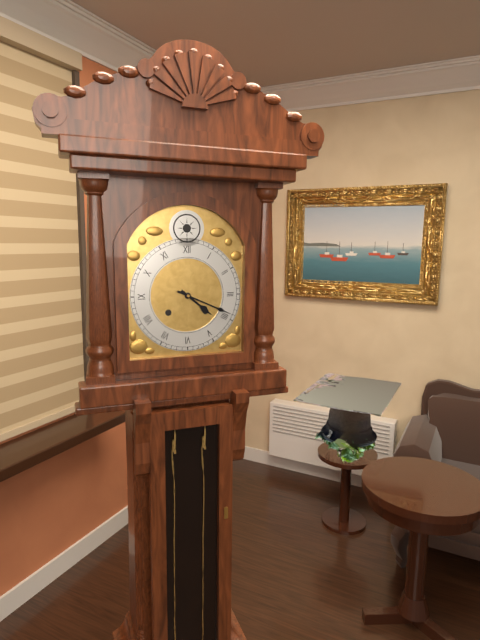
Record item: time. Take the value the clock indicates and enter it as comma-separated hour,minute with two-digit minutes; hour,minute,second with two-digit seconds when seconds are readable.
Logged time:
4,19
